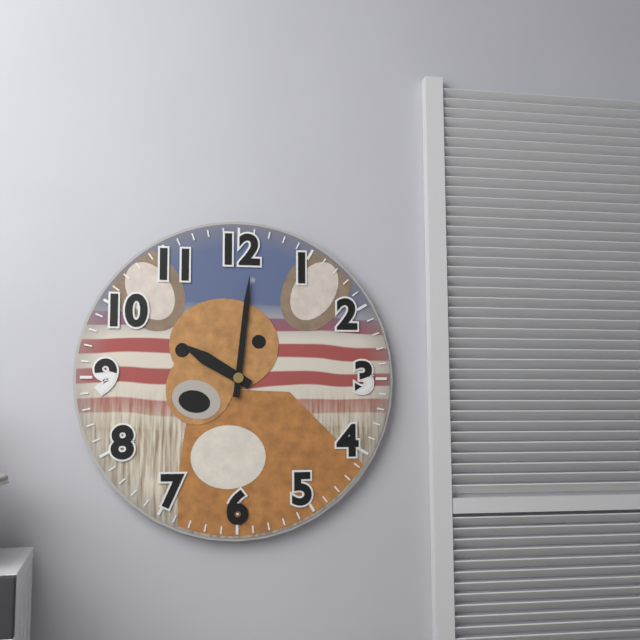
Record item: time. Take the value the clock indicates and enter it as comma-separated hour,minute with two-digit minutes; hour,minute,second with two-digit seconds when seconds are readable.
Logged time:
10,01
